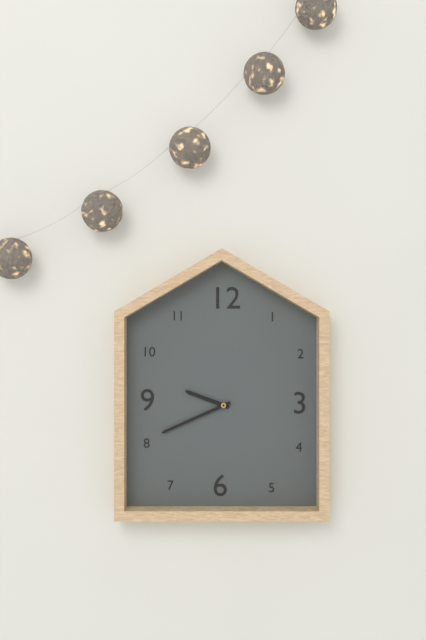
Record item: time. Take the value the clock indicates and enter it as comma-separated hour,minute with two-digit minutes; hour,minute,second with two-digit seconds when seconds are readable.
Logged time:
9,41
